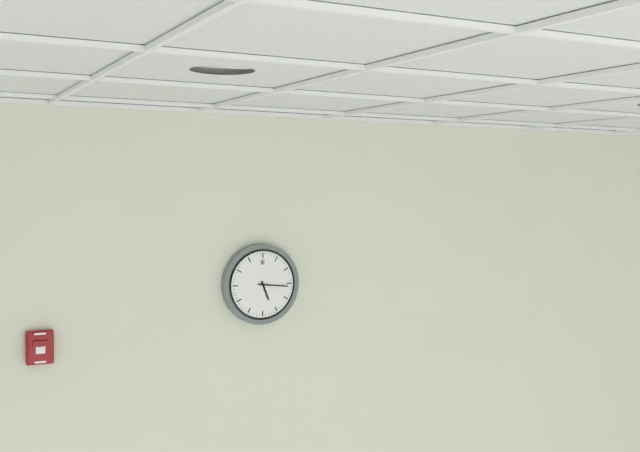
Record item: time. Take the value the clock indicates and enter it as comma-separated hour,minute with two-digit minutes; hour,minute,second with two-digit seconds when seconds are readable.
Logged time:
5,16
